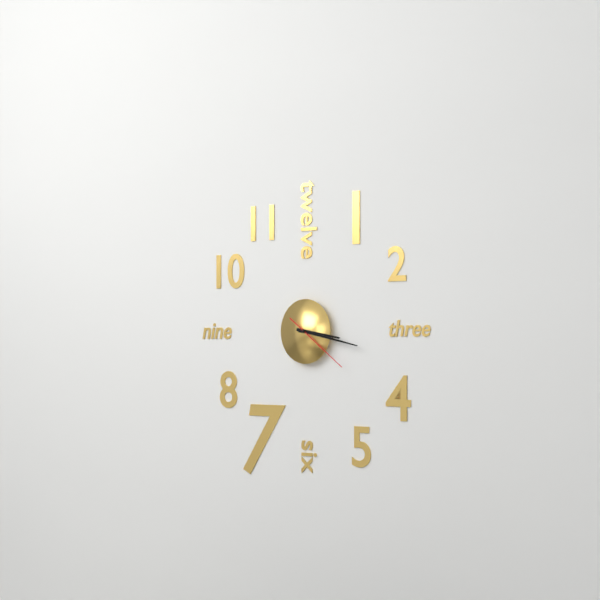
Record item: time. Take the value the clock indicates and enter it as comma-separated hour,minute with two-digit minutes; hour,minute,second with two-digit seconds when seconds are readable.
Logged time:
3,17,21
